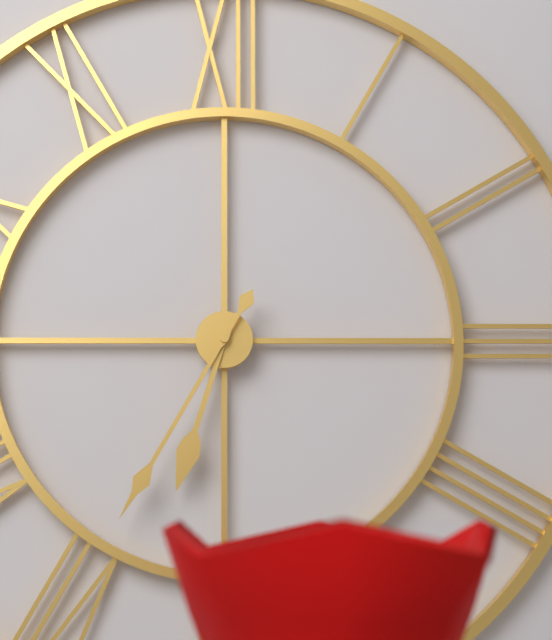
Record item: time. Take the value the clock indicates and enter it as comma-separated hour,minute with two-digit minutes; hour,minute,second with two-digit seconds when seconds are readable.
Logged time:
6,35
